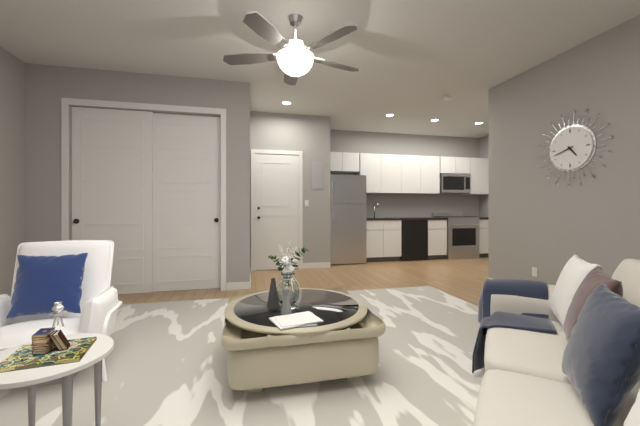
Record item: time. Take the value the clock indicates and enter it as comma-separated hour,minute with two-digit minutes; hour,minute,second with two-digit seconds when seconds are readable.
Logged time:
4,42
